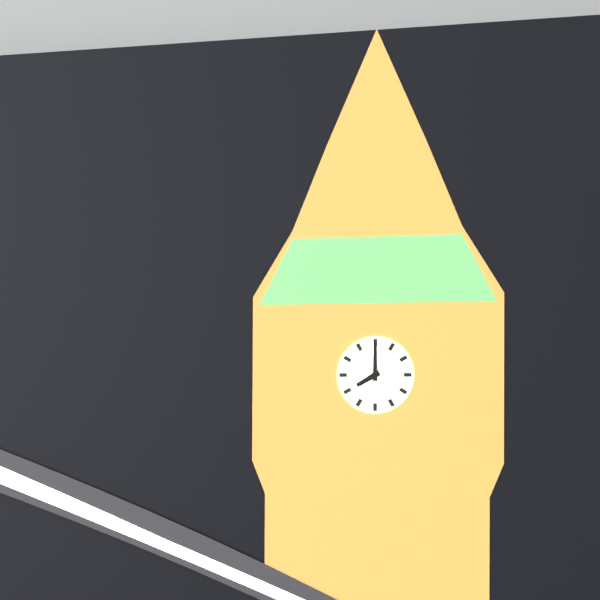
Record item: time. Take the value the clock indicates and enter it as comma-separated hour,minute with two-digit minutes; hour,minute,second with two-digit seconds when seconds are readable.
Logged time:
8,00
